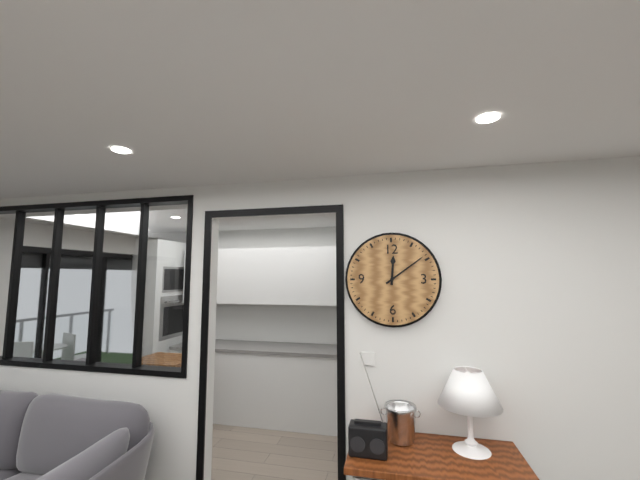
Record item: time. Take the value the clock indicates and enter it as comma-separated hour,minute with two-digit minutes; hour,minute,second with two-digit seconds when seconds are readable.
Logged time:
12,09
